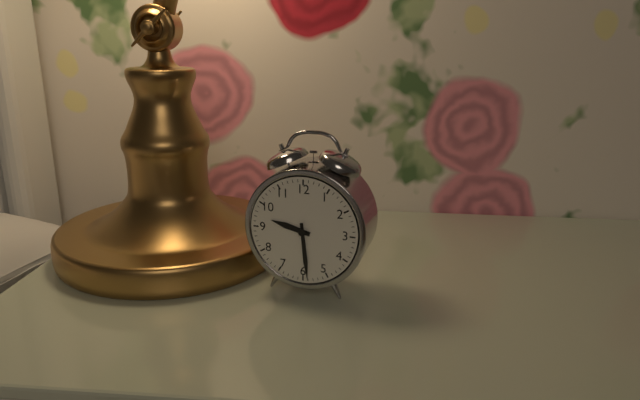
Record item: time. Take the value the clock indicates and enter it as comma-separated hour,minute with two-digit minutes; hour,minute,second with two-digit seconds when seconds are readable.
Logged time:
9,29
